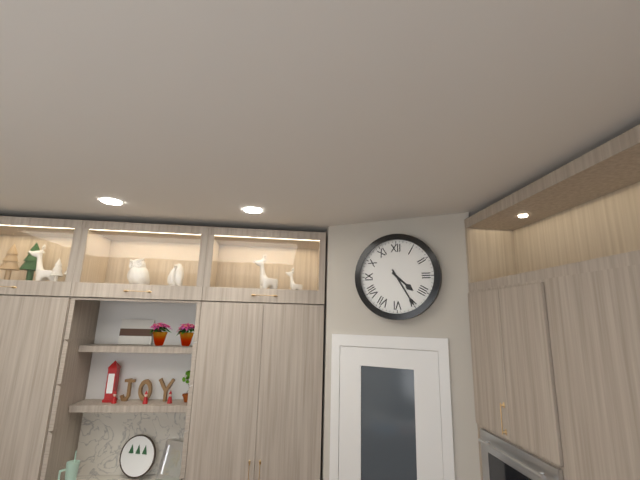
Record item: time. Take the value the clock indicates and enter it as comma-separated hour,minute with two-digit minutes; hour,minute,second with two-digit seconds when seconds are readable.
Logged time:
4,25
